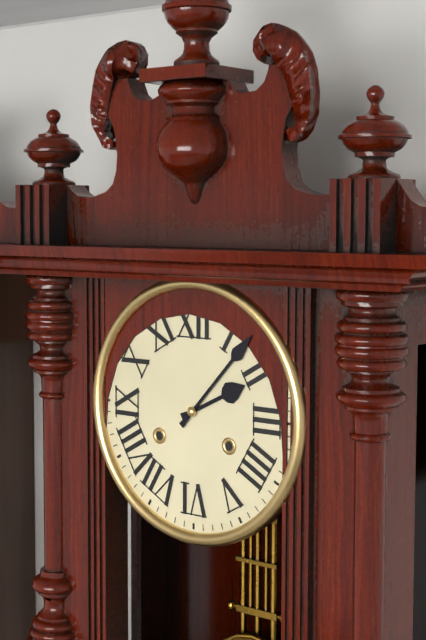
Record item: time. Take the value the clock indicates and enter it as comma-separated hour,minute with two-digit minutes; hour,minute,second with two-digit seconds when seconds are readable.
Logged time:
2,07
